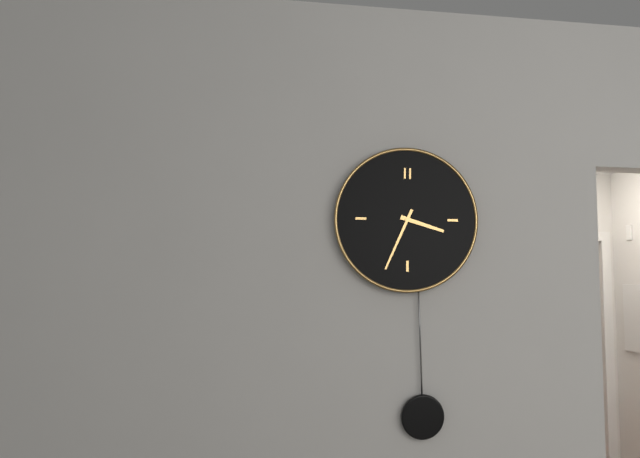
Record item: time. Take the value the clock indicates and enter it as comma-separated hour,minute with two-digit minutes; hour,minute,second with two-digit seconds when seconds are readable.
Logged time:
3,34
